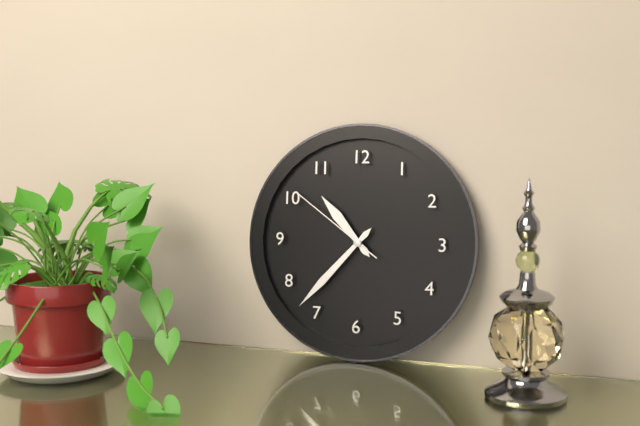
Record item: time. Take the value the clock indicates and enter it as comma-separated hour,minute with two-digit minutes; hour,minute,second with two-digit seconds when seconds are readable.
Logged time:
10,37,51
